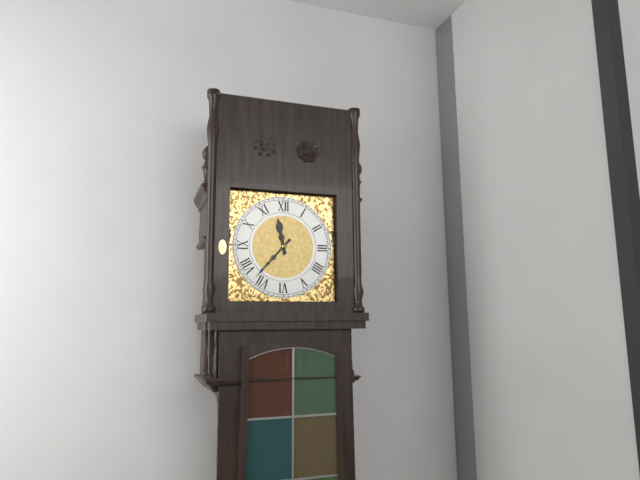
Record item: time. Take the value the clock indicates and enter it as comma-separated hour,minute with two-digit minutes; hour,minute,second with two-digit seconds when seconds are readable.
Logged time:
11,37
